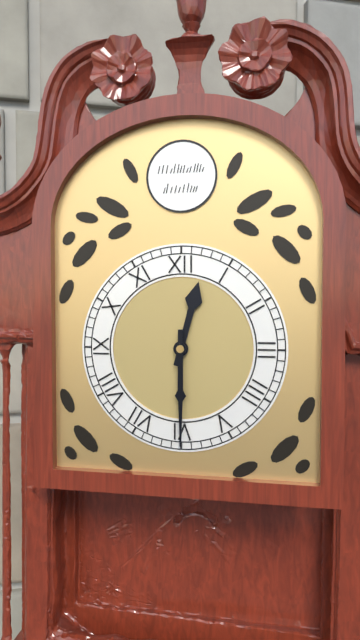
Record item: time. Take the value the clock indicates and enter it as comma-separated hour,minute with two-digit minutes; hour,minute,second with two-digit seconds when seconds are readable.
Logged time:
12,30
